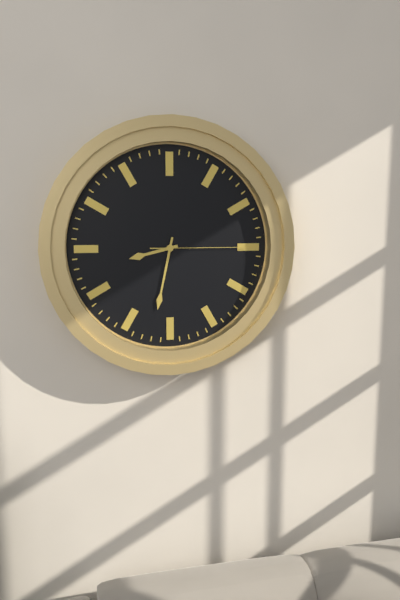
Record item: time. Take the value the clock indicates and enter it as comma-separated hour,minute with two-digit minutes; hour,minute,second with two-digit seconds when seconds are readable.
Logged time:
8,32,15
